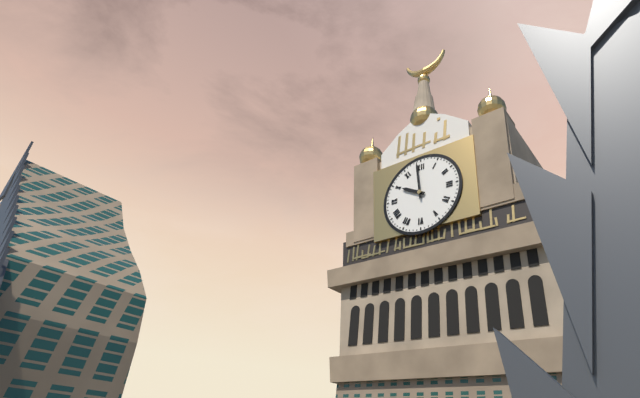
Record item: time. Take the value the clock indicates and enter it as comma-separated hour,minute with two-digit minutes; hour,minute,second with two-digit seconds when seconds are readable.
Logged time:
9,59
